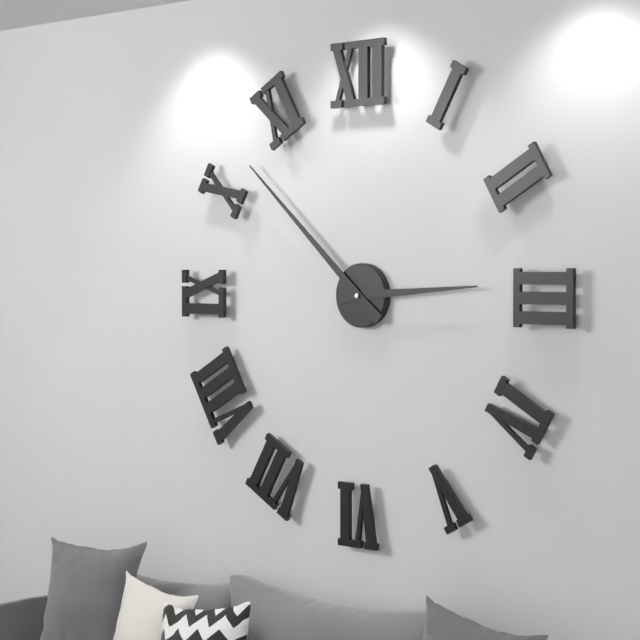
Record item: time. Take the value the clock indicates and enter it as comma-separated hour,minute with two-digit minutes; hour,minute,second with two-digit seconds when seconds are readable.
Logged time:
2,52
